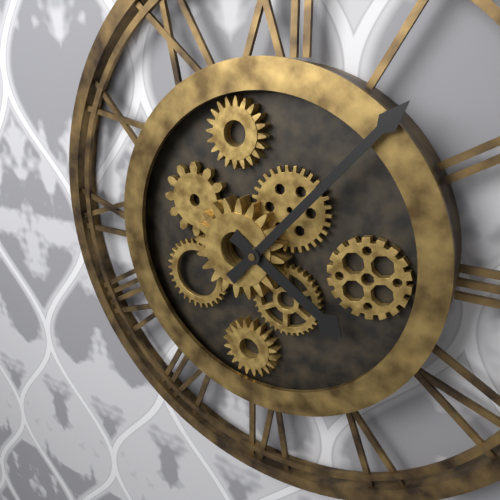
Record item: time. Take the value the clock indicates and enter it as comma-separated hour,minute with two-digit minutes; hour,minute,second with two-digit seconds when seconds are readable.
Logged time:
4,07
